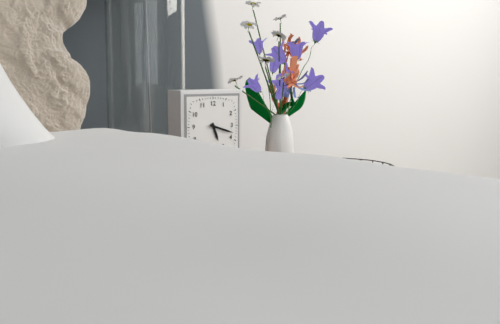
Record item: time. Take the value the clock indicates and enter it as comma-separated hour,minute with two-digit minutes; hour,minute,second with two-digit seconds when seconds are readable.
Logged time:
5,18
